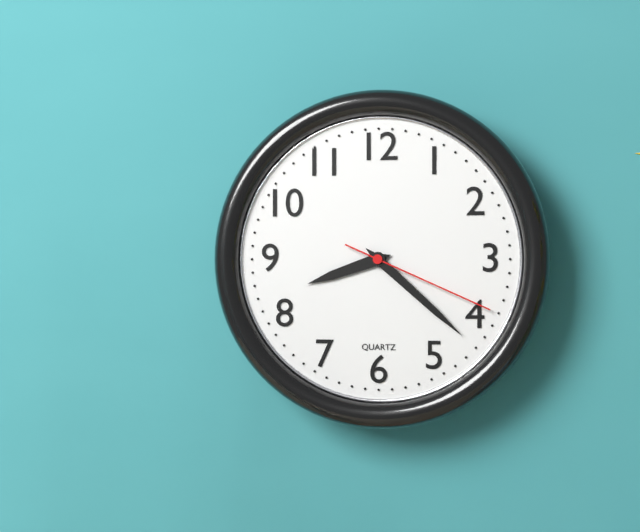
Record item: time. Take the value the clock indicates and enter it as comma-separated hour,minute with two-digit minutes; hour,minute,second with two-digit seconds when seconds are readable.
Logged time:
8,22,19
